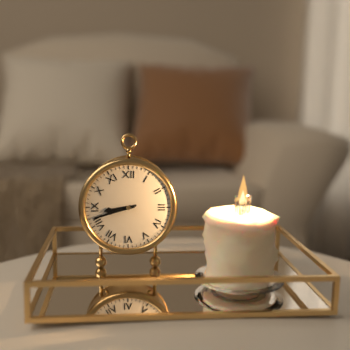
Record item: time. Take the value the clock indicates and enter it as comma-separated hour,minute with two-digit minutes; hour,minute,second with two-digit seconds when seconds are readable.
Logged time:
8,42
